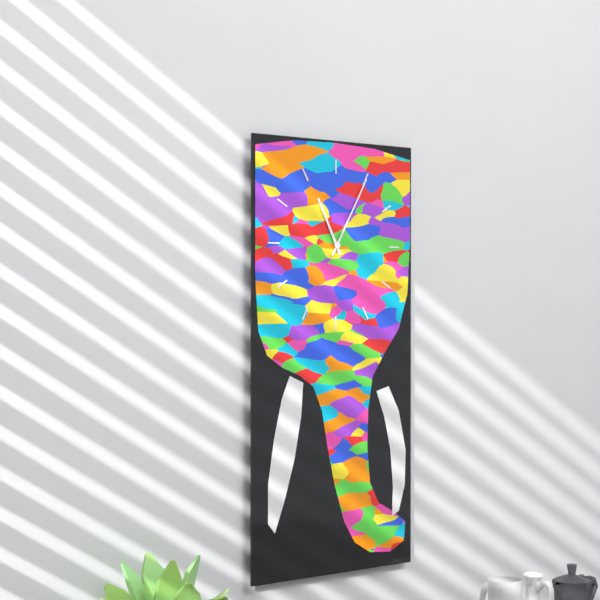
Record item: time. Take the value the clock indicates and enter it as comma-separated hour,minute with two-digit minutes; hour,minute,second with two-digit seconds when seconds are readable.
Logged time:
11,05
